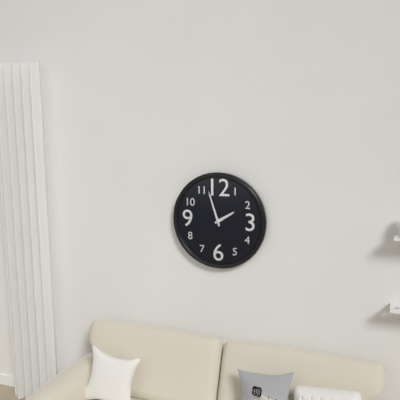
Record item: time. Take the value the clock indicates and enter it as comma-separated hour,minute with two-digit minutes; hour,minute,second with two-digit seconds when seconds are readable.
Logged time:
1,57
